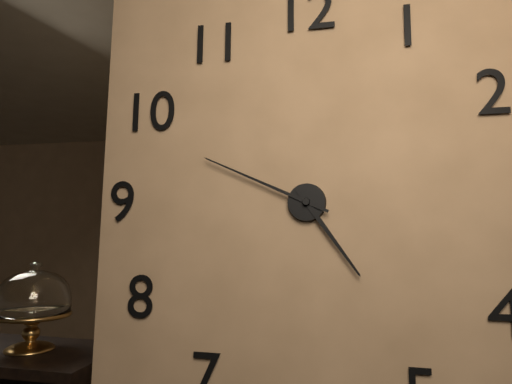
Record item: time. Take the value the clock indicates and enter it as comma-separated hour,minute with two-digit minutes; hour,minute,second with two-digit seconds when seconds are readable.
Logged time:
4,49
